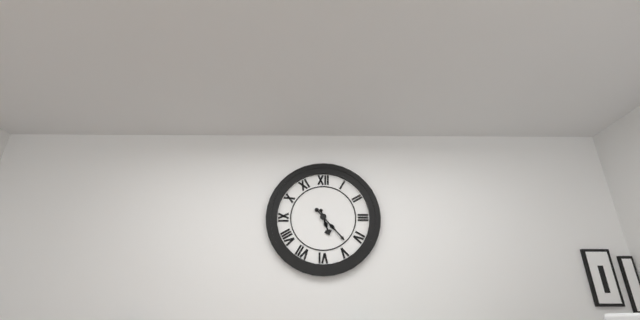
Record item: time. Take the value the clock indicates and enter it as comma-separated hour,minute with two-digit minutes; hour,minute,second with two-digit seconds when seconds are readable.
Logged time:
5,23
